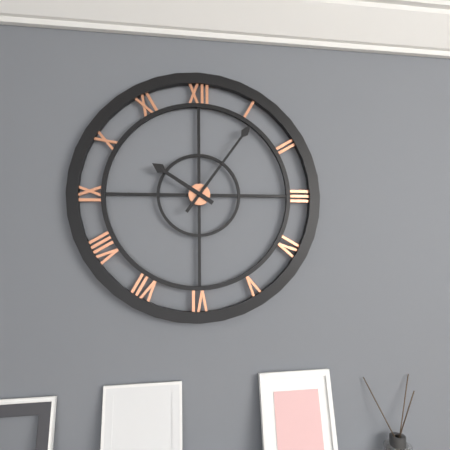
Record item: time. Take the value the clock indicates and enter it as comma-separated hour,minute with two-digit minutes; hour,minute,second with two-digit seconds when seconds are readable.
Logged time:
10,06
